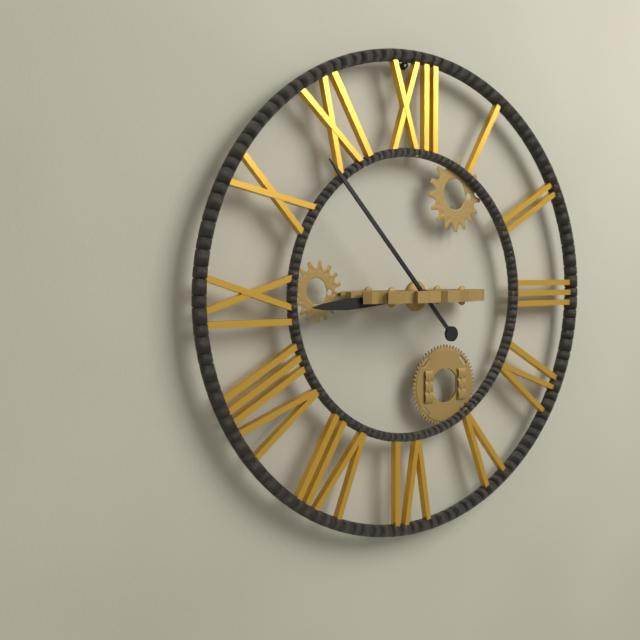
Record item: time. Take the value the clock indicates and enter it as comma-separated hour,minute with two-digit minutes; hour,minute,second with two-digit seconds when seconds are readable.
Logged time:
8,53
